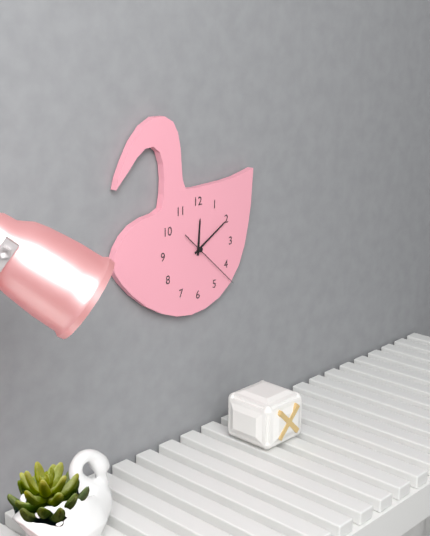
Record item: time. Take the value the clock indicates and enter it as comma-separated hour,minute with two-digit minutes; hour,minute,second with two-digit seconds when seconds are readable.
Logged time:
12,10,22
